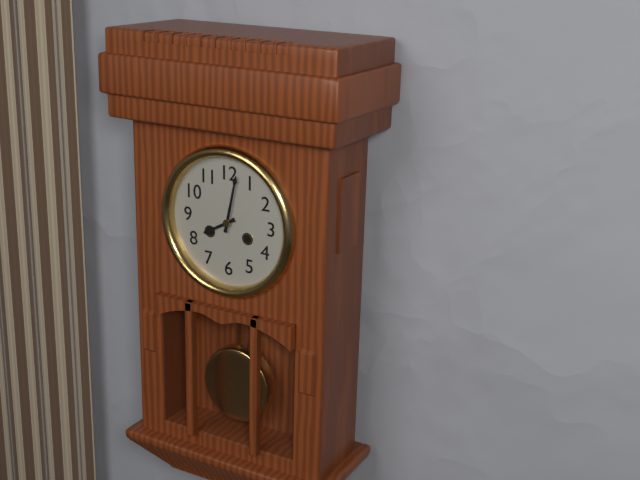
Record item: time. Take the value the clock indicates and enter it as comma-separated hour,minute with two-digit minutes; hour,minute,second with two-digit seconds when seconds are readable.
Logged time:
8,02
